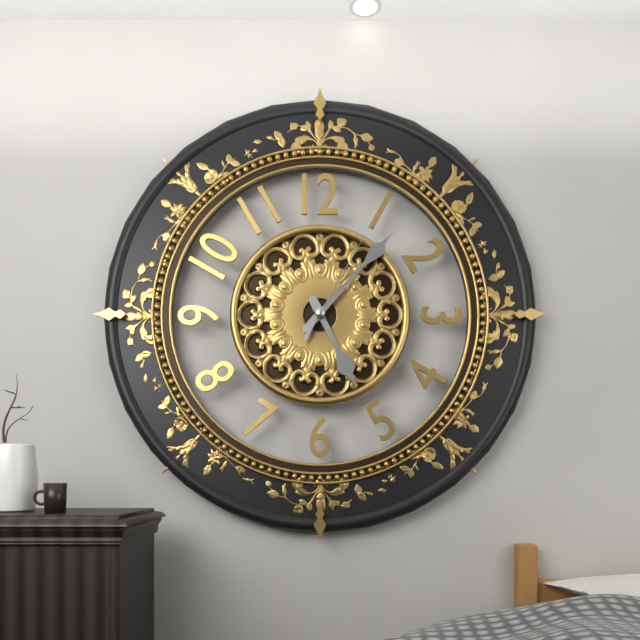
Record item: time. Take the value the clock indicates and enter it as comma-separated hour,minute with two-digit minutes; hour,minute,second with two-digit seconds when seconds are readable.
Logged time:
5,07,05
